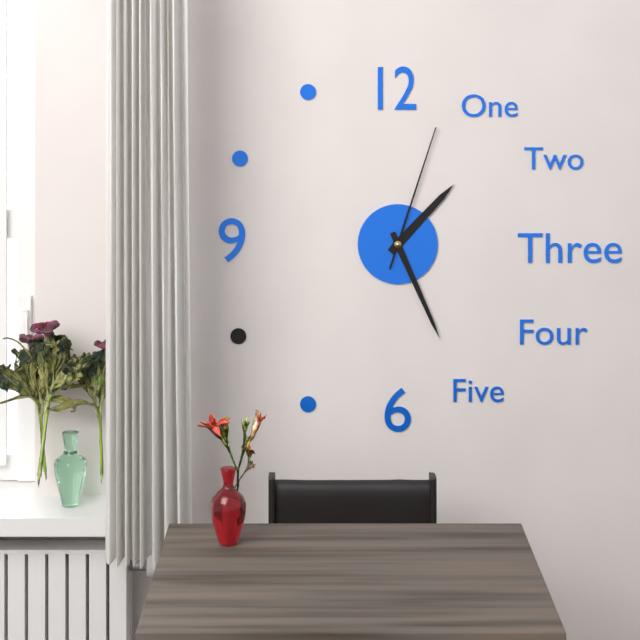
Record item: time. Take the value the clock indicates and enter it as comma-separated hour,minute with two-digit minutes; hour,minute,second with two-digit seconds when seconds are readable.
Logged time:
1,26,03
